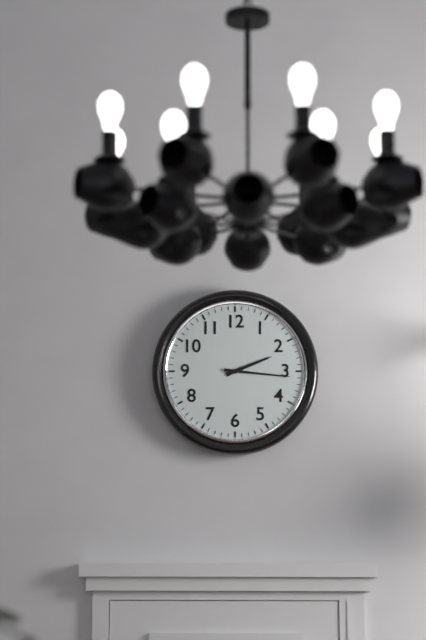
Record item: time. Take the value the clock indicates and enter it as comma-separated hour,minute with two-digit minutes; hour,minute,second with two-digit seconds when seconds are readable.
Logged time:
2,16
